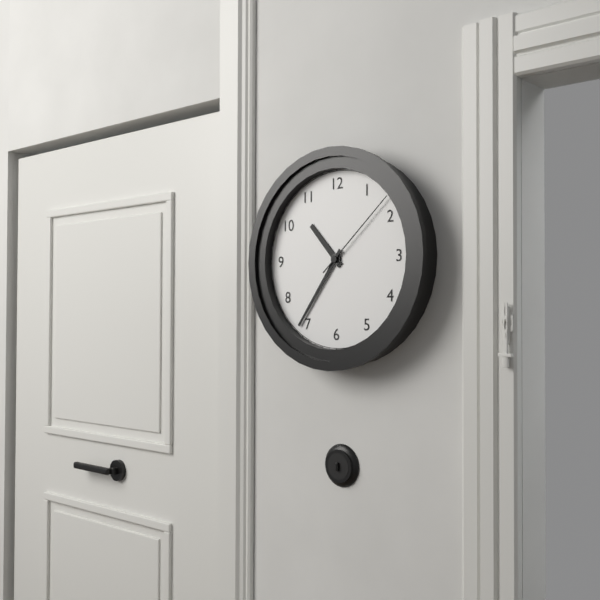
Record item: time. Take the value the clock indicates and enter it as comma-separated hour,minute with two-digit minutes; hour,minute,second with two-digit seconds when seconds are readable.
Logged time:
10,36,08
